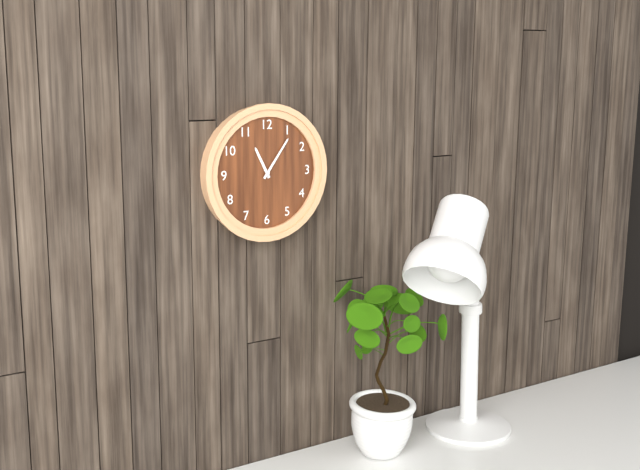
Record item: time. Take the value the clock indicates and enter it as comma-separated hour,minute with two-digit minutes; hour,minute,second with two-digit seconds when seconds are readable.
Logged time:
11,06
